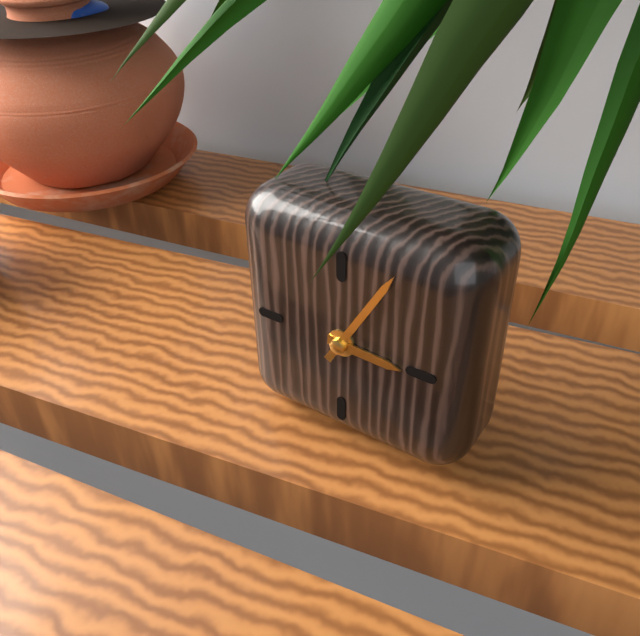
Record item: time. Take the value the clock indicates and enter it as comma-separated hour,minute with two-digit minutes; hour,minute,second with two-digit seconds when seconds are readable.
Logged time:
3,05
